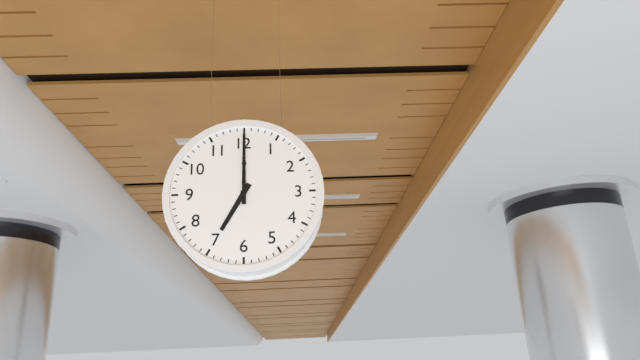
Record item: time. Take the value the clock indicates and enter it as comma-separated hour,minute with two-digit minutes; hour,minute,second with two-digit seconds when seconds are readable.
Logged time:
7,00
